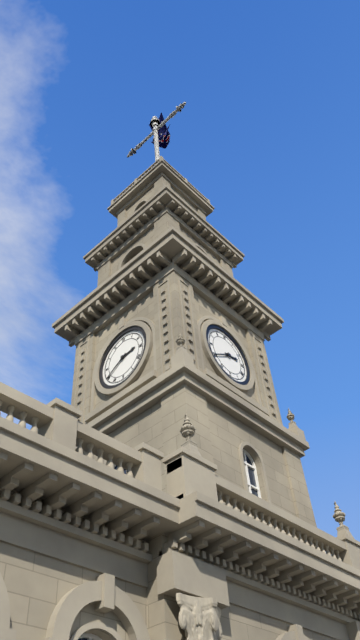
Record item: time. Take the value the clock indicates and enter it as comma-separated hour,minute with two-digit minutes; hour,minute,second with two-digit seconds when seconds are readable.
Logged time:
2,40
